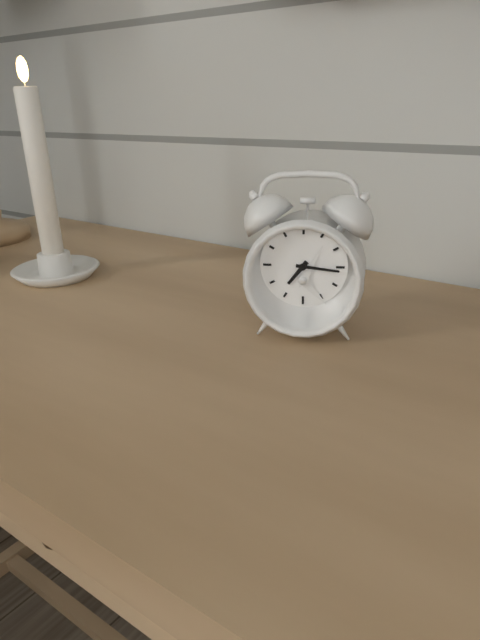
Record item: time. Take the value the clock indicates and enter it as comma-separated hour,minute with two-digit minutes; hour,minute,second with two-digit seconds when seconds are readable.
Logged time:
7,16
